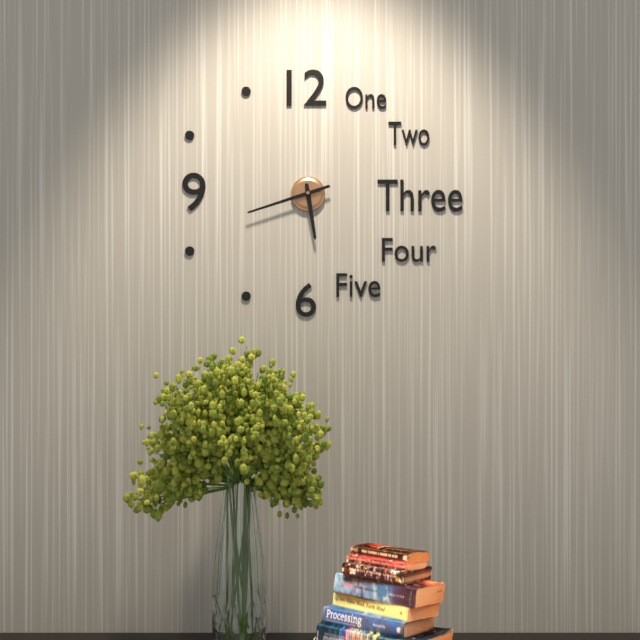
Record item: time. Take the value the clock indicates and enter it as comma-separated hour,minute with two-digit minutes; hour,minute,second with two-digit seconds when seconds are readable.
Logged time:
5,42
